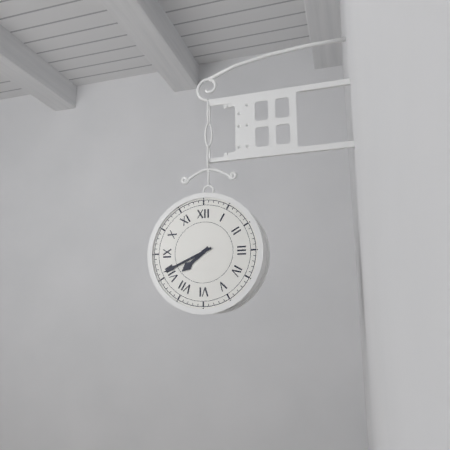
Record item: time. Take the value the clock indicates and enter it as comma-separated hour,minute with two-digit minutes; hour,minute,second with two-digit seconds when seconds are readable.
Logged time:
7,41
